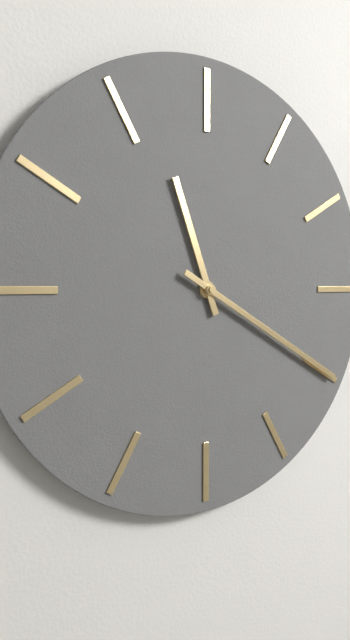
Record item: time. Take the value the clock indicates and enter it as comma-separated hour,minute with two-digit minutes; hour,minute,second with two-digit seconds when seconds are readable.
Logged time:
11,20
